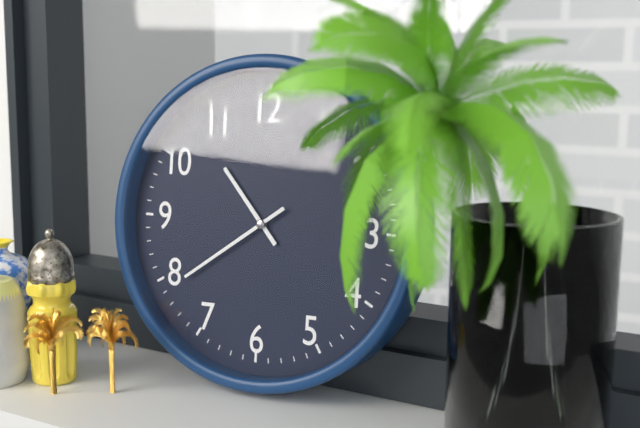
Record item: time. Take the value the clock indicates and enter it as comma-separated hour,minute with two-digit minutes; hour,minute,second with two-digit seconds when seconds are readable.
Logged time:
10,39
